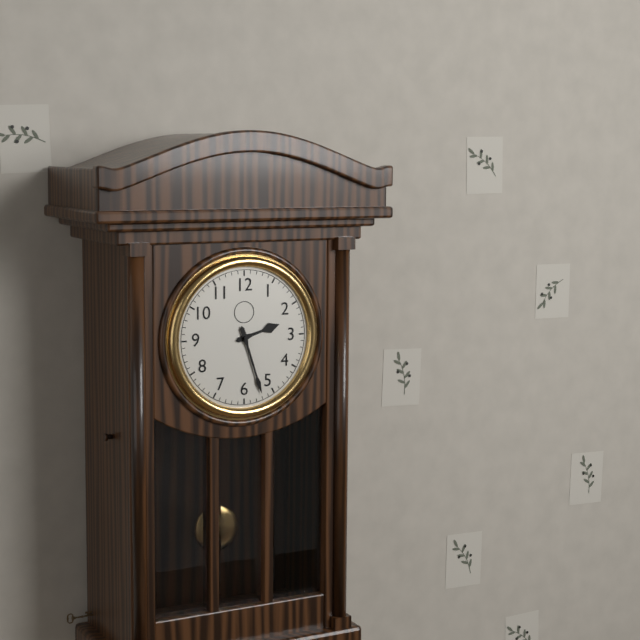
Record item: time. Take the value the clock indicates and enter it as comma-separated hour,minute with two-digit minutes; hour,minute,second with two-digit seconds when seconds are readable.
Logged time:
2,27
